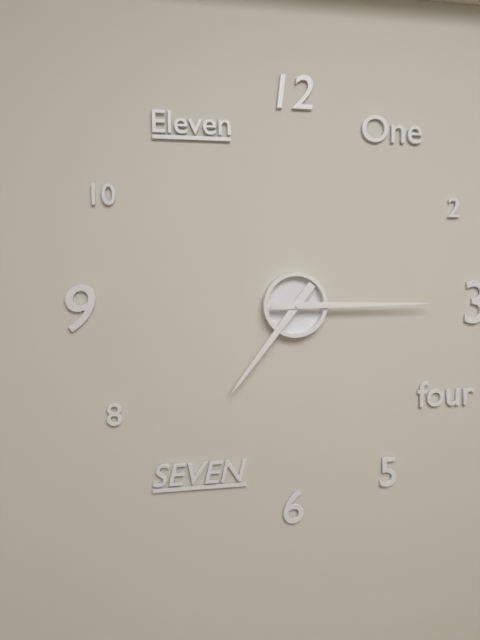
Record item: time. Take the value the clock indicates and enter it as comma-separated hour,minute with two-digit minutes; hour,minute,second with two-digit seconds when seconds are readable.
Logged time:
7,15
